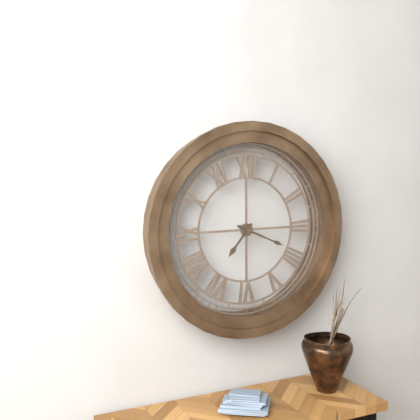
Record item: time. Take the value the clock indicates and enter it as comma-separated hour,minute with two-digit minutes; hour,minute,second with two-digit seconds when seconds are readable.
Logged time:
7,19
